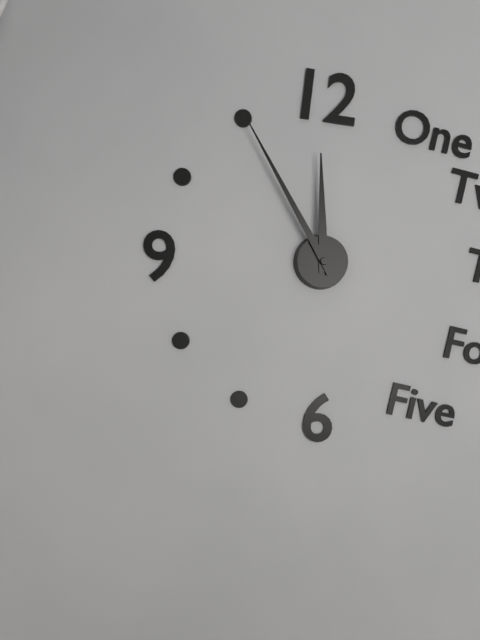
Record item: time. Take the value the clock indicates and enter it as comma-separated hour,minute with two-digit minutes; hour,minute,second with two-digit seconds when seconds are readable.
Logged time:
11,55
